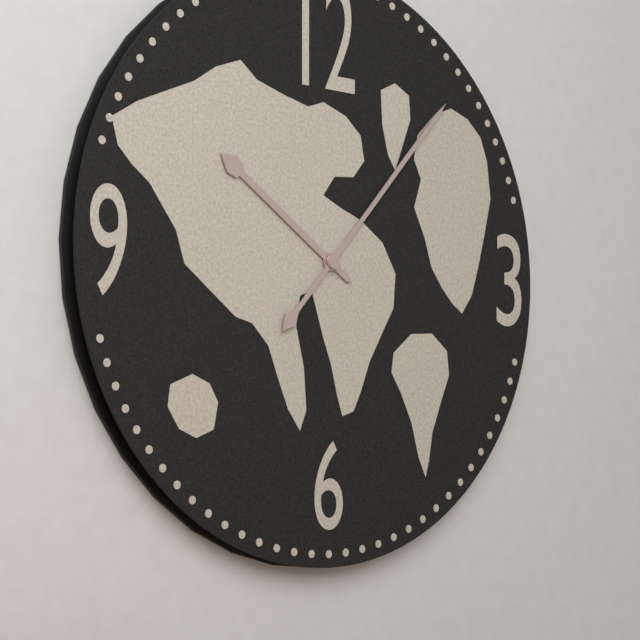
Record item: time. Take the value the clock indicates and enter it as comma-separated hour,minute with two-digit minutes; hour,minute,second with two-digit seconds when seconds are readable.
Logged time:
10,07
